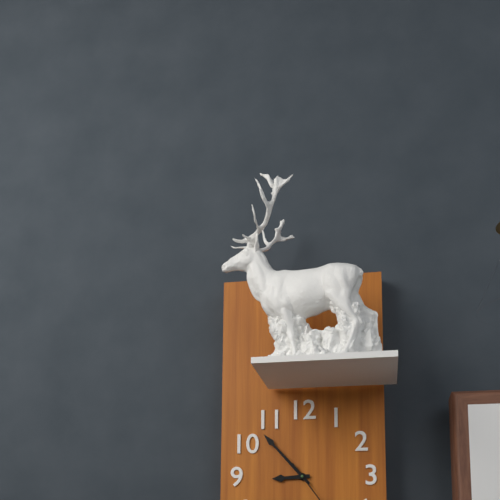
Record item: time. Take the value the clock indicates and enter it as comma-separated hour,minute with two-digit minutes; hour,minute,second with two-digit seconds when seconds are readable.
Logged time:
8,53
